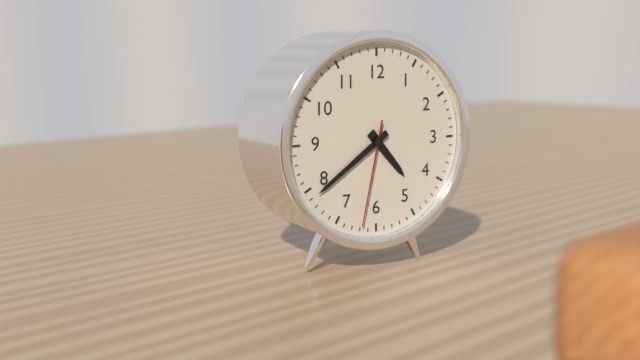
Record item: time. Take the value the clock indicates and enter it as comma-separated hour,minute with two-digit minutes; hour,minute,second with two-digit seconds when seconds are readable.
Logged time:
4,39,32
